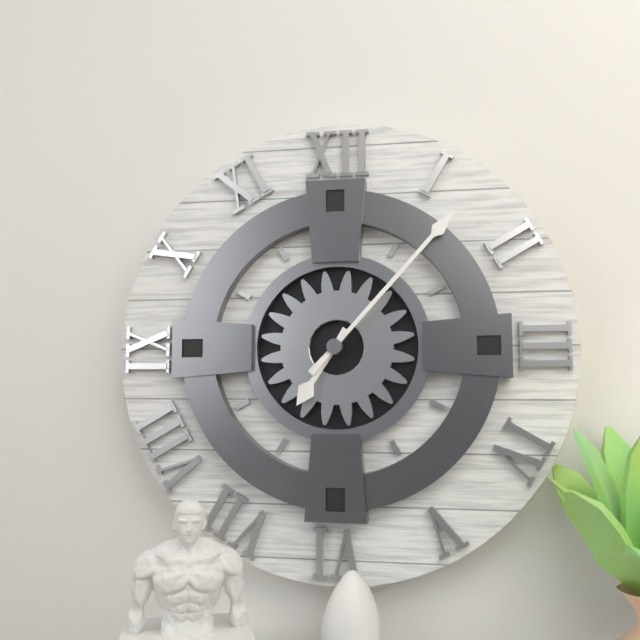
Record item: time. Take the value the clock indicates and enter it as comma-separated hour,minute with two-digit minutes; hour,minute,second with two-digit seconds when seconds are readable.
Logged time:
7,07
